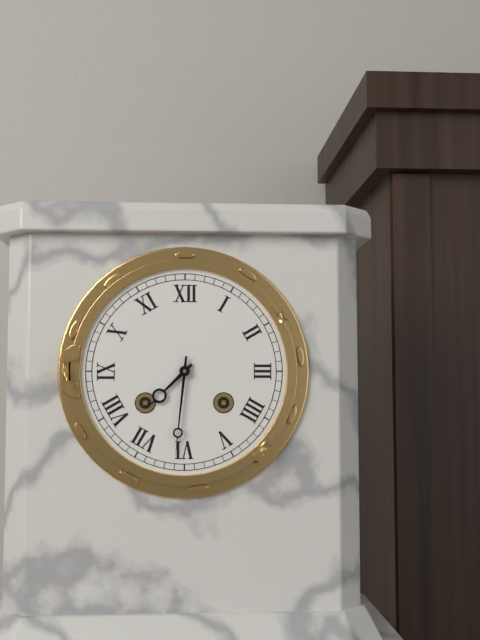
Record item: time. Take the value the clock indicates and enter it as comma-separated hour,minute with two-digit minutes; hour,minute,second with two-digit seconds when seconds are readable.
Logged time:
7,31
